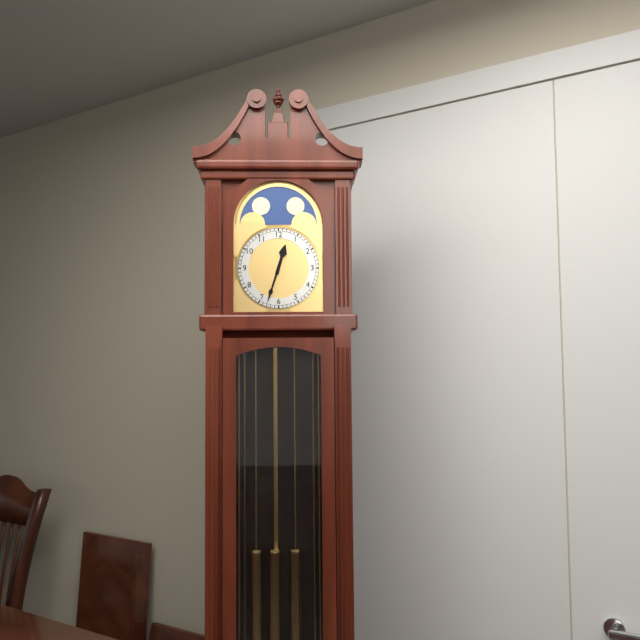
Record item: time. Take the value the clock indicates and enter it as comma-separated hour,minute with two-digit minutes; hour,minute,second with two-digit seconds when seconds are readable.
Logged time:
12,33
